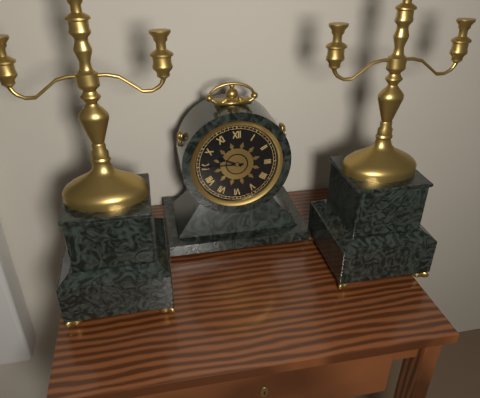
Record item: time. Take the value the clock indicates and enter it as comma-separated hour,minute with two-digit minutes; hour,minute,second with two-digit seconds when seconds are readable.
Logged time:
9,45
